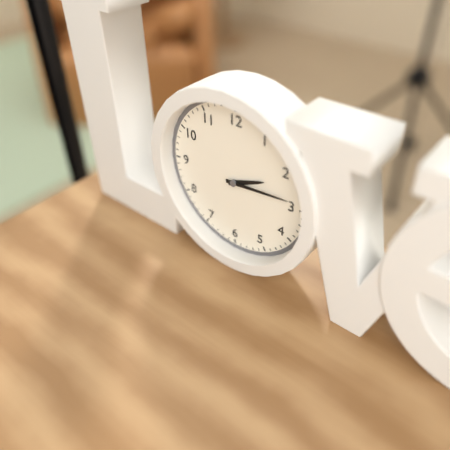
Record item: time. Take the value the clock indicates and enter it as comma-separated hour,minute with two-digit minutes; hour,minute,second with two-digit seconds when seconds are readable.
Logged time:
2,14
